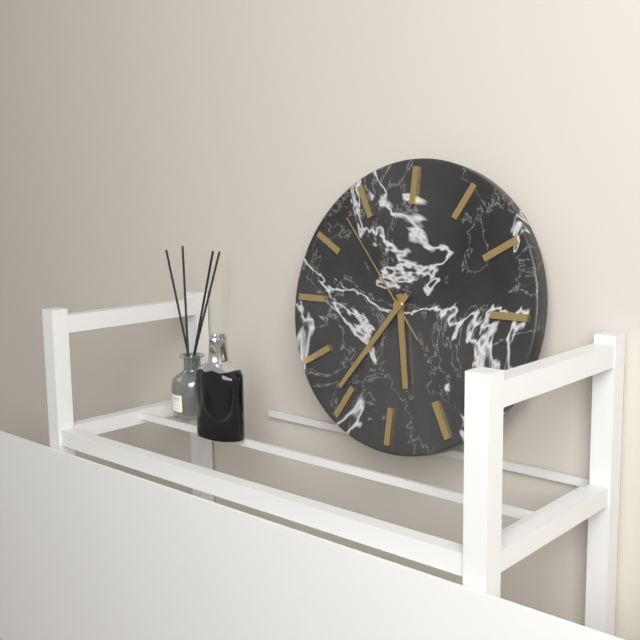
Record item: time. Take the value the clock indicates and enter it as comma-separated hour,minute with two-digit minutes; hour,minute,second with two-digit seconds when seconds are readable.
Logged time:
5,36,53
